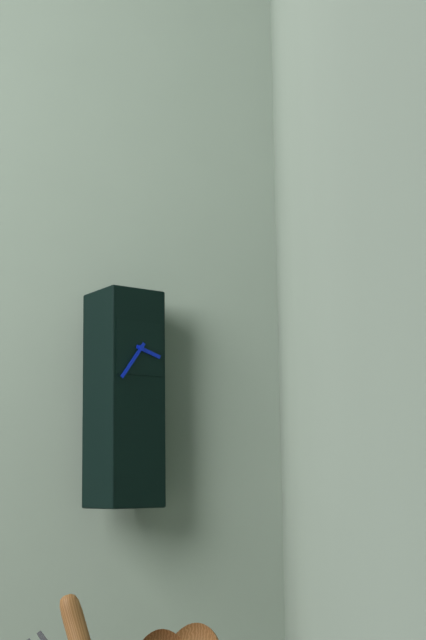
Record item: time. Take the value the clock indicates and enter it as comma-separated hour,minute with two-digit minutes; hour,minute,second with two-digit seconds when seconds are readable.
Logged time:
3,36
